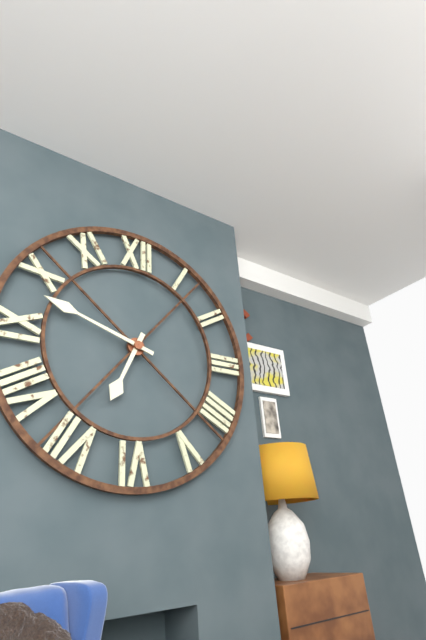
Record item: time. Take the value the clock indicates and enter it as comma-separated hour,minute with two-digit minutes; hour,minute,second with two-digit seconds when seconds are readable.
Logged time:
6,48
